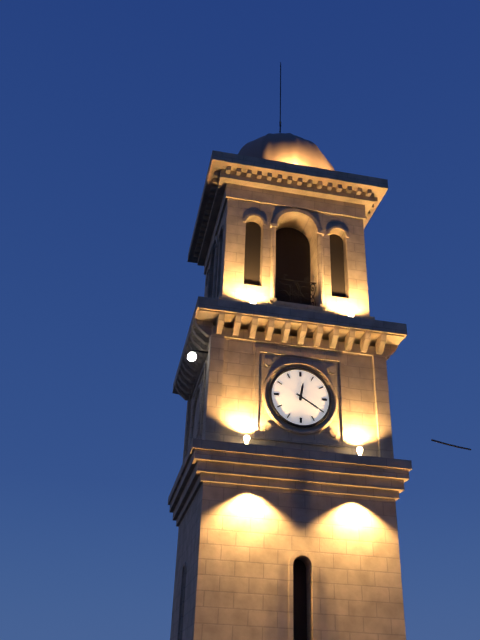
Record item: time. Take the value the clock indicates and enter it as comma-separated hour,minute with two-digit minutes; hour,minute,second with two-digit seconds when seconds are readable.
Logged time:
12,20
